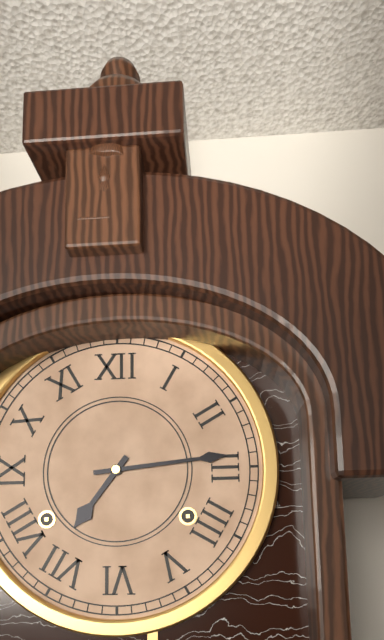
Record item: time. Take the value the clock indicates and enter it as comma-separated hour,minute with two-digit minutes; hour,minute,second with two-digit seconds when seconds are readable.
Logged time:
7,14
